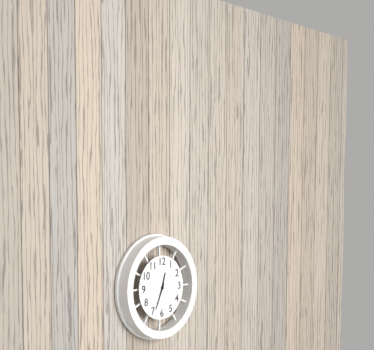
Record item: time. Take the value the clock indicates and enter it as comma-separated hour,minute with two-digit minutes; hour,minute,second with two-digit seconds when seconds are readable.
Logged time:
12,34
